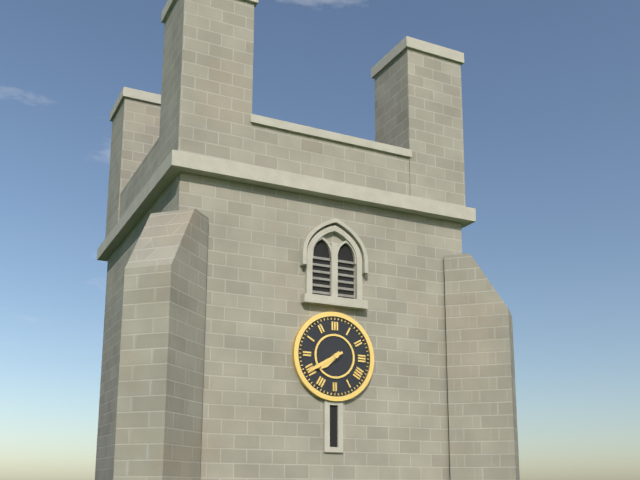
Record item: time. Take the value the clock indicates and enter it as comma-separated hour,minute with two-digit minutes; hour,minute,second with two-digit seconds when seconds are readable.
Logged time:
7,40
